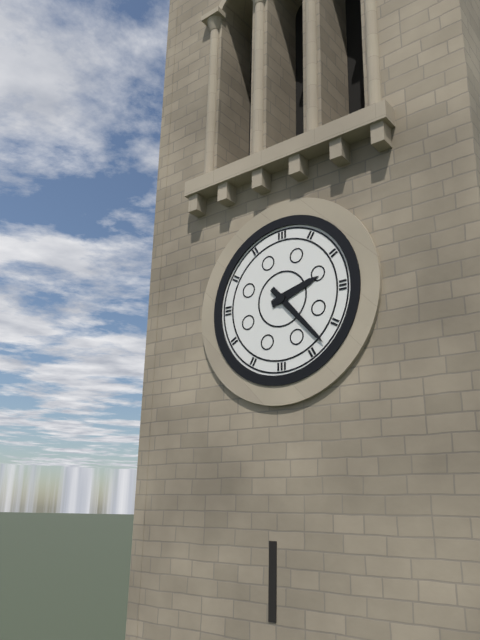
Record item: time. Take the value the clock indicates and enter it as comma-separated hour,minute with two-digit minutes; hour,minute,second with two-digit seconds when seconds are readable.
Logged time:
2,23
